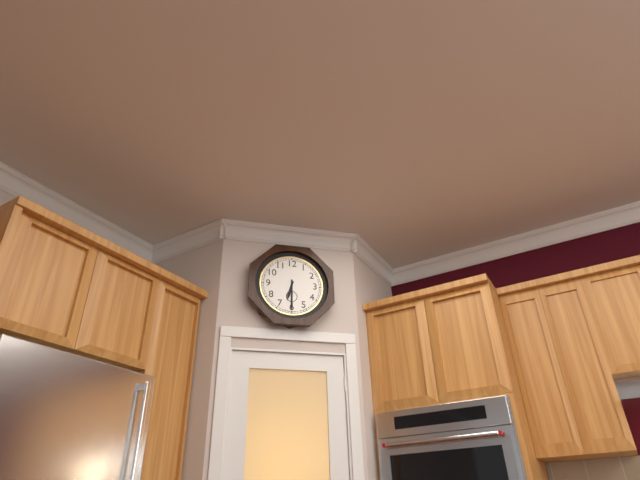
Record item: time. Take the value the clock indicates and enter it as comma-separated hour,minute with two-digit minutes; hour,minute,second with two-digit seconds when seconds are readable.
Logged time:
6,30
